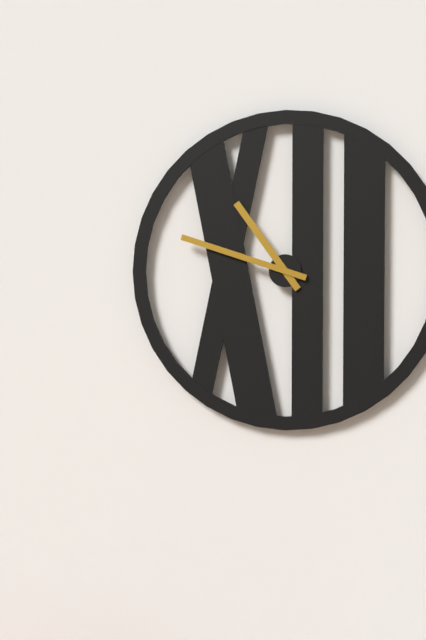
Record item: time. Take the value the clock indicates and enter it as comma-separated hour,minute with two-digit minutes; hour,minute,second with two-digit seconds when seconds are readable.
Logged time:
10,48
